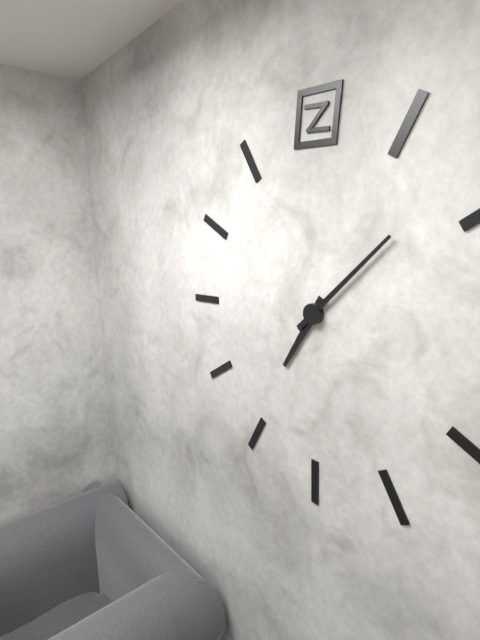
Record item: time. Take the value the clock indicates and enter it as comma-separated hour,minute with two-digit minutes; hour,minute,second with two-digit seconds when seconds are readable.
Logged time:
7,08
